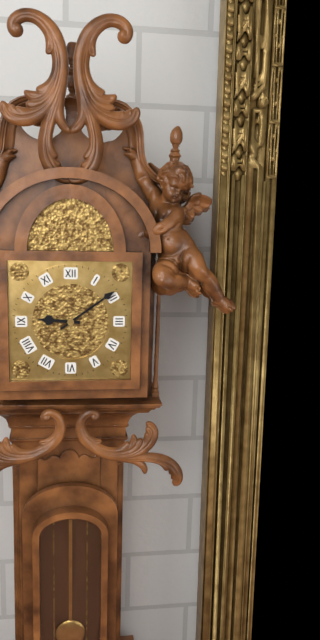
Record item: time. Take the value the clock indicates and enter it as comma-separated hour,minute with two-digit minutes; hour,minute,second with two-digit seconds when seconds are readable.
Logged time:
9,09
